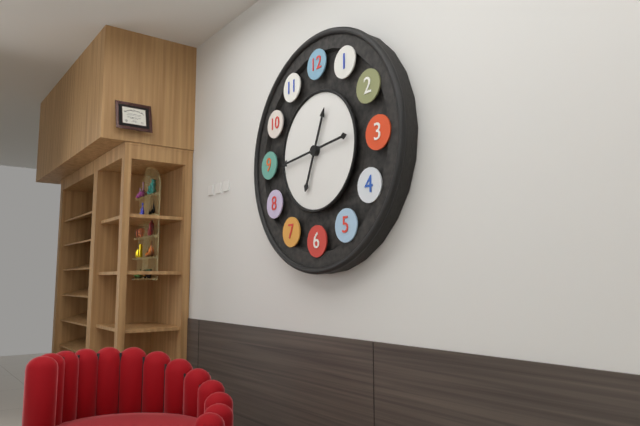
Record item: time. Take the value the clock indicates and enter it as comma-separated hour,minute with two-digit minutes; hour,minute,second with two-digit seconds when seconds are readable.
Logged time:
12,44
